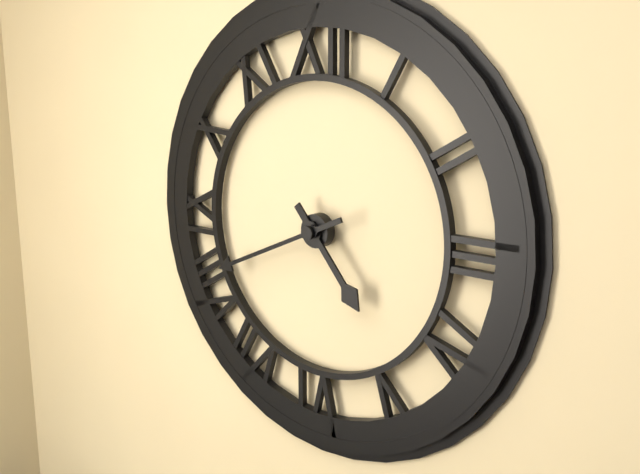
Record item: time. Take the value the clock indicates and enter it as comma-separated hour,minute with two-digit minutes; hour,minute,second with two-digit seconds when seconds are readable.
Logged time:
4,41
